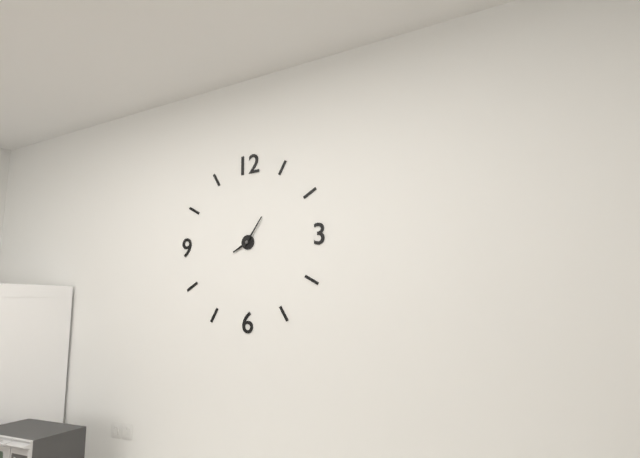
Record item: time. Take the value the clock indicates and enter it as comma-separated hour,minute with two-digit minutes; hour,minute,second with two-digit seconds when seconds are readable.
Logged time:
8,06
